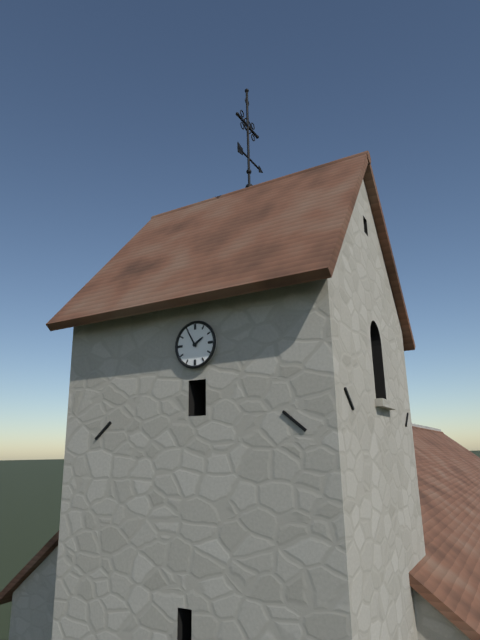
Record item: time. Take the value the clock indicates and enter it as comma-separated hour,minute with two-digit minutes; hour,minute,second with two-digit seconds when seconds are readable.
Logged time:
1,55
